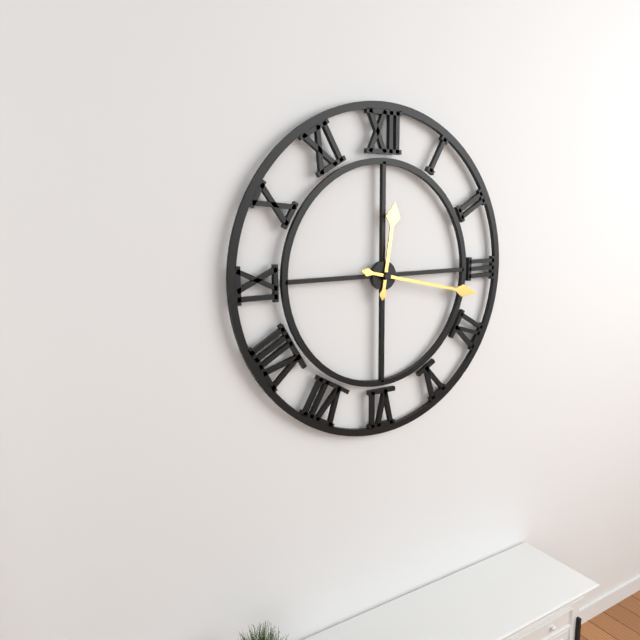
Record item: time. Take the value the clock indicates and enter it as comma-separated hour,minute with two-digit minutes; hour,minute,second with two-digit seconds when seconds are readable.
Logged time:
12,17
